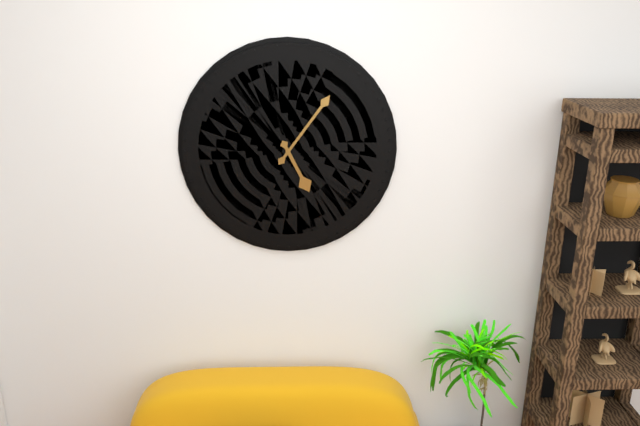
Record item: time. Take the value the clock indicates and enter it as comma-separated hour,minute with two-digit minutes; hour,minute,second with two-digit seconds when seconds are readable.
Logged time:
5,06
